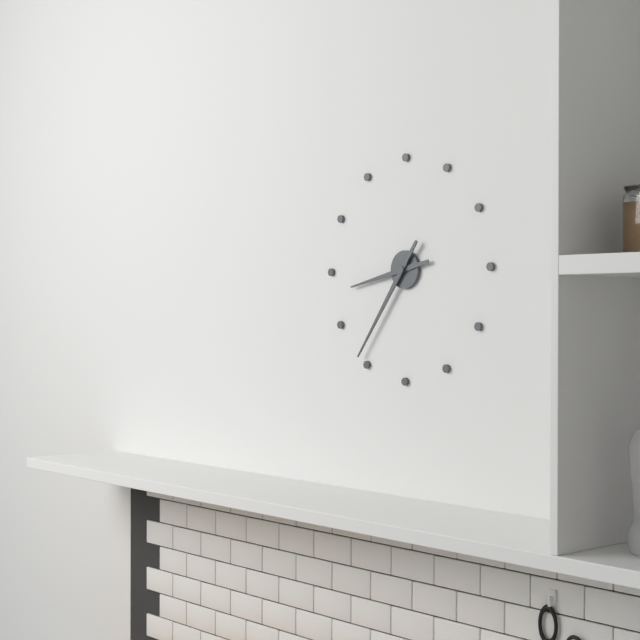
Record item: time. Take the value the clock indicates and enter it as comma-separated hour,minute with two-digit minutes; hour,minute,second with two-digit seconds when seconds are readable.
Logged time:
8,36
